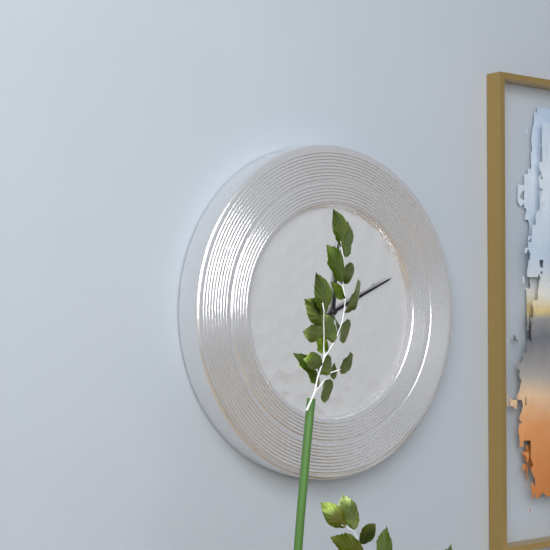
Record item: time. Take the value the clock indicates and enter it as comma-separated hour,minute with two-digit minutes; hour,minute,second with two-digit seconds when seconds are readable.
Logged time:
12,11
